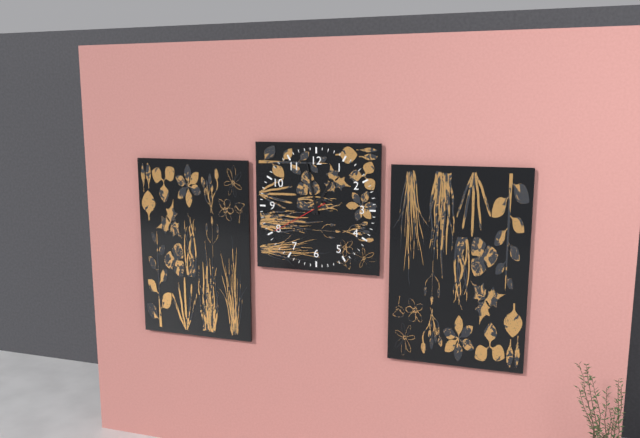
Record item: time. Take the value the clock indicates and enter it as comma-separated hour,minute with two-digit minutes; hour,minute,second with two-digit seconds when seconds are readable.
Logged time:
12,58,40
